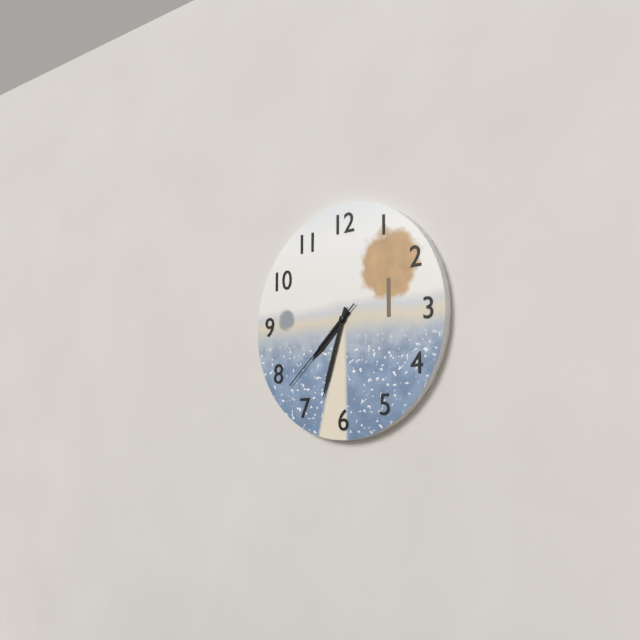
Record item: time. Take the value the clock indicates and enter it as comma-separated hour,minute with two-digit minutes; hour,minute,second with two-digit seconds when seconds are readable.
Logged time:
7,33,38
